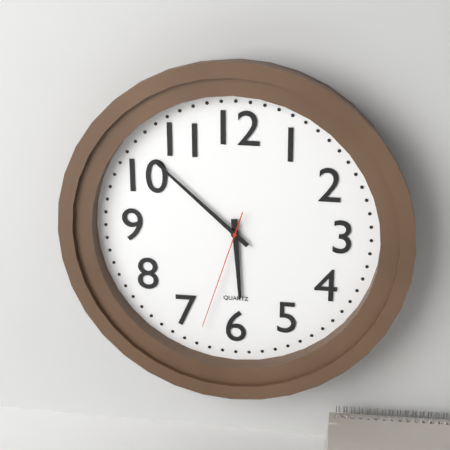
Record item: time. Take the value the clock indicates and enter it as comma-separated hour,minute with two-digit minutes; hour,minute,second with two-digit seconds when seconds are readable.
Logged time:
5,52,33
